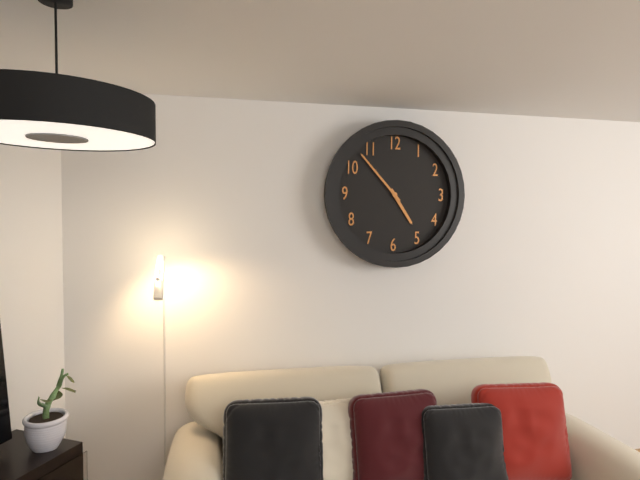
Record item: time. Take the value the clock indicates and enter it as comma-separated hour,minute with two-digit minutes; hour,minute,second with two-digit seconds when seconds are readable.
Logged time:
4,53
